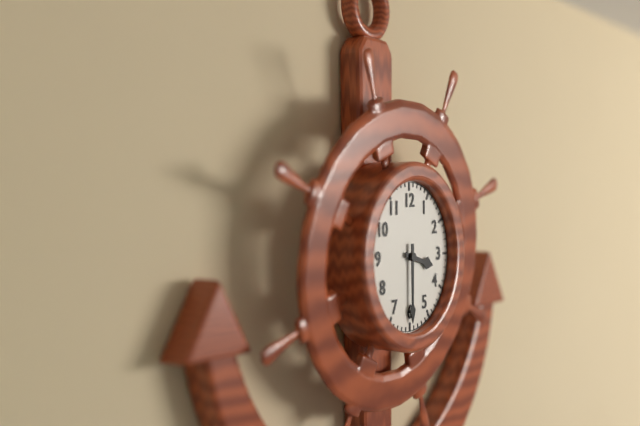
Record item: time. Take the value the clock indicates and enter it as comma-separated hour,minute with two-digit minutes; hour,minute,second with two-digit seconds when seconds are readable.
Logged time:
3,30
